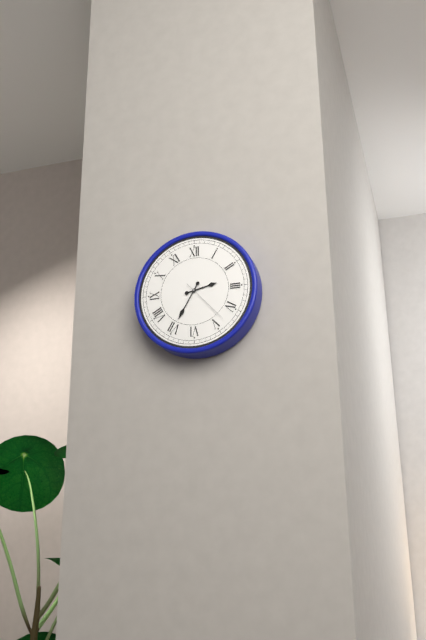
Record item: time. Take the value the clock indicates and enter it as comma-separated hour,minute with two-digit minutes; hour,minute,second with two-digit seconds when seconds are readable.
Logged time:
2,35,23
